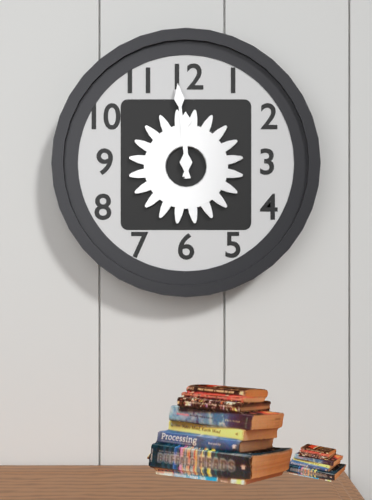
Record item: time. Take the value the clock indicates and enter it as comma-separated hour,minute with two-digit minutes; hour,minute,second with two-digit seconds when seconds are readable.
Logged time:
11,59
